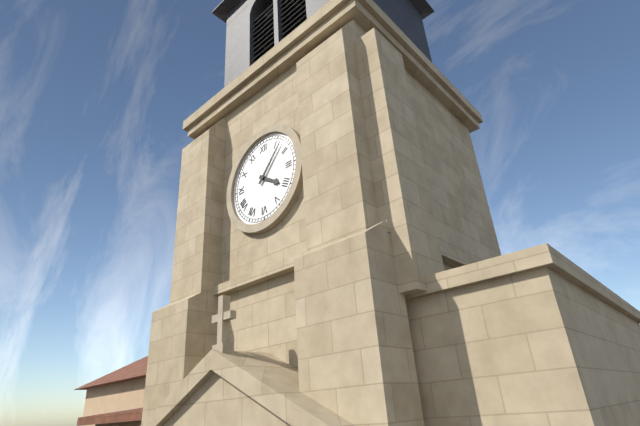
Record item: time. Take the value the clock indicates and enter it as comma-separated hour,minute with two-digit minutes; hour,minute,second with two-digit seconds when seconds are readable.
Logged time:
4,07
